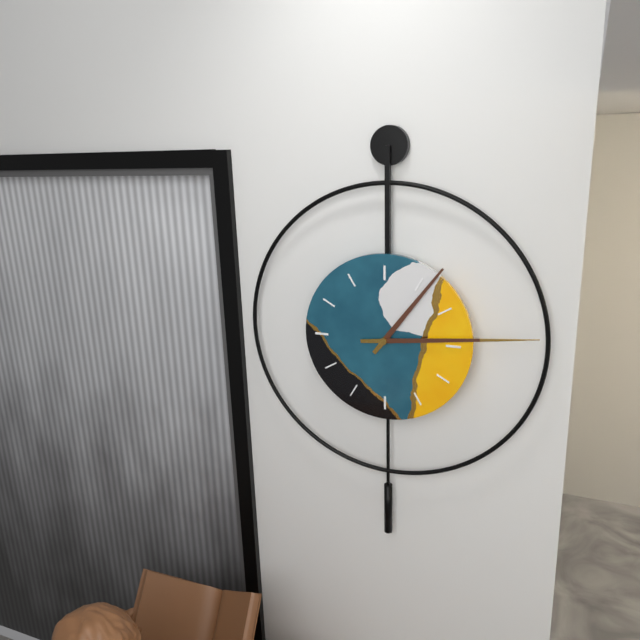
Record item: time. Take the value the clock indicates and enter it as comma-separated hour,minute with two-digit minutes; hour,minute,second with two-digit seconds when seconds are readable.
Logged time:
1,14
